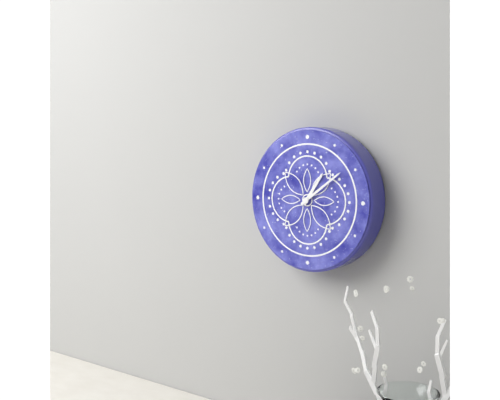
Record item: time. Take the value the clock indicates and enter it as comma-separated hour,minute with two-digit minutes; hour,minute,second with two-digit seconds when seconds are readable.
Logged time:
1,09
